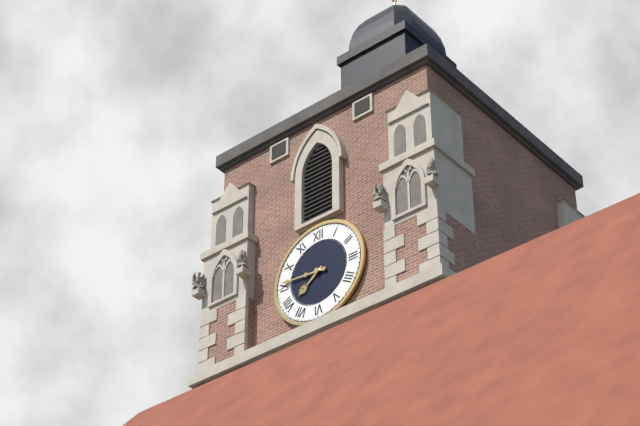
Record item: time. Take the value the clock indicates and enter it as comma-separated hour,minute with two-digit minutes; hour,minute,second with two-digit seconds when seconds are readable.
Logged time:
7,46
